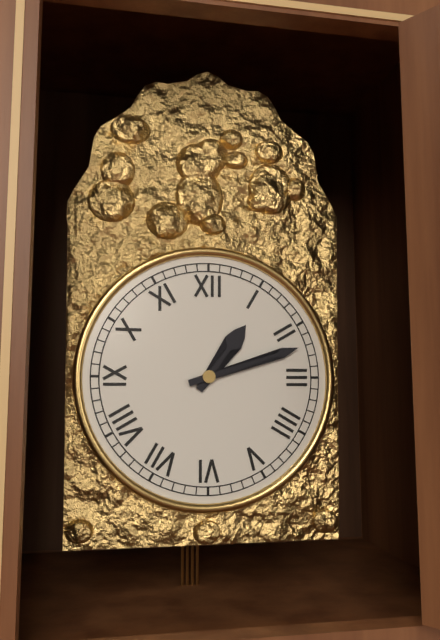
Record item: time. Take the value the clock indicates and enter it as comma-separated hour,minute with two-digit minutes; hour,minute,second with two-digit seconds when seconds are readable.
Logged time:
1,12
